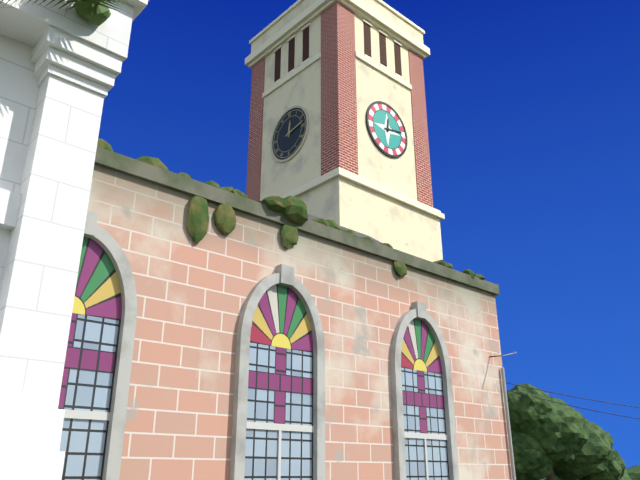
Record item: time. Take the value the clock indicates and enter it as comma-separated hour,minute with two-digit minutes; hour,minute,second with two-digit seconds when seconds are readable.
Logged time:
12,13
